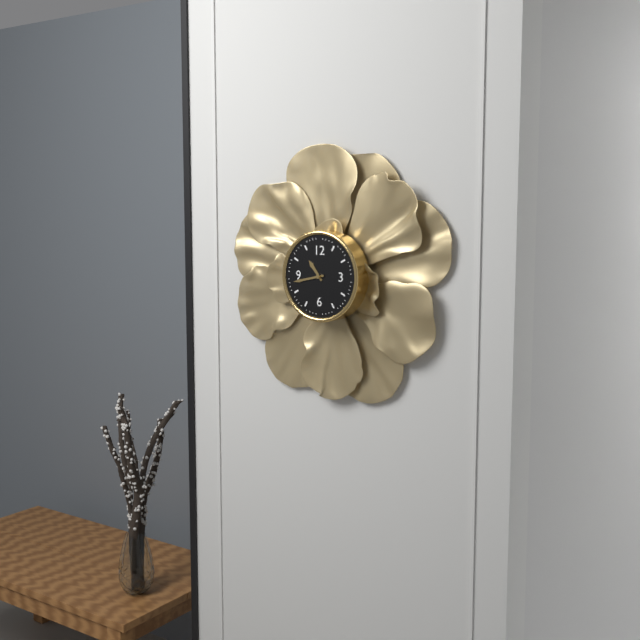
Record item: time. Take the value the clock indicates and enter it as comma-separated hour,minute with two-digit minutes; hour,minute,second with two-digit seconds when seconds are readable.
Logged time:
10,43
